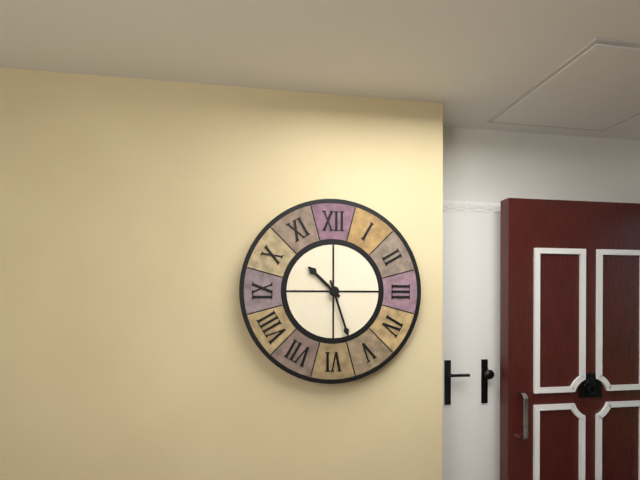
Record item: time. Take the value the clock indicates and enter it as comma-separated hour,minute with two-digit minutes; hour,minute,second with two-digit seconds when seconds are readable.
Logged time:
10,27
